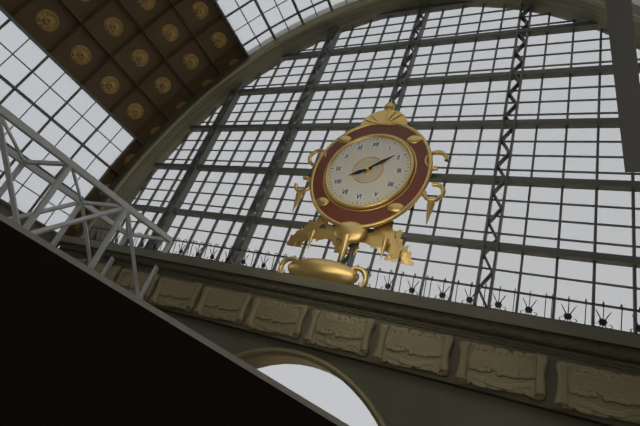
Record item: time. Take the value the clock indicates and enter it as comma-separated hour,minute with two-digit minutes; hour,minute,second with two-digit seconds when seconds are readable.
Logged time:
8,09
